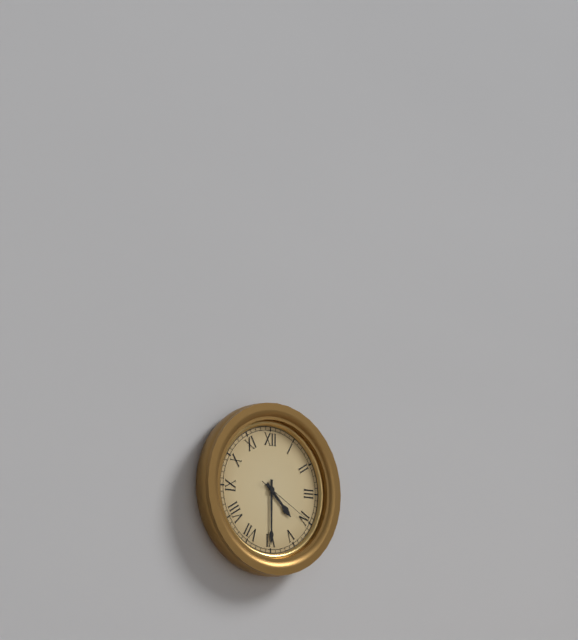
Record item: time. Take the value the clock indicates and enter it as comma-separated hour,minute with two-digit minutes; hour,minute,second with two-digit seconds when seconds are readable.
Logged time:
4,30,20
